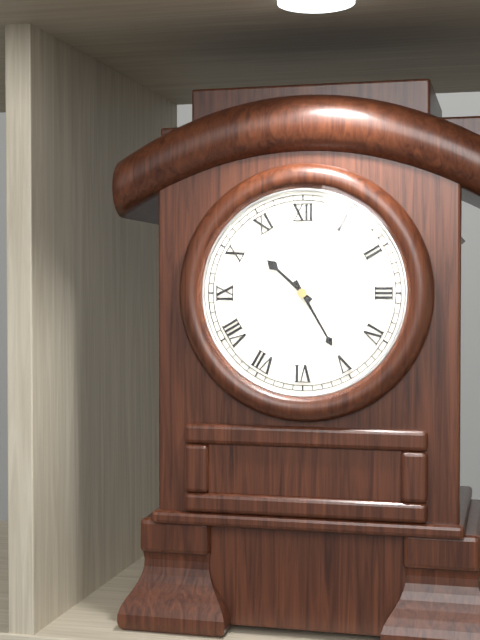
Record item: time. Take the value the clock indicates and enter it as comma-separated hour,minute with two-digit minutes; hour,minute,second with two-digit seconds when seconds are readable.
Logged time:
10,25
